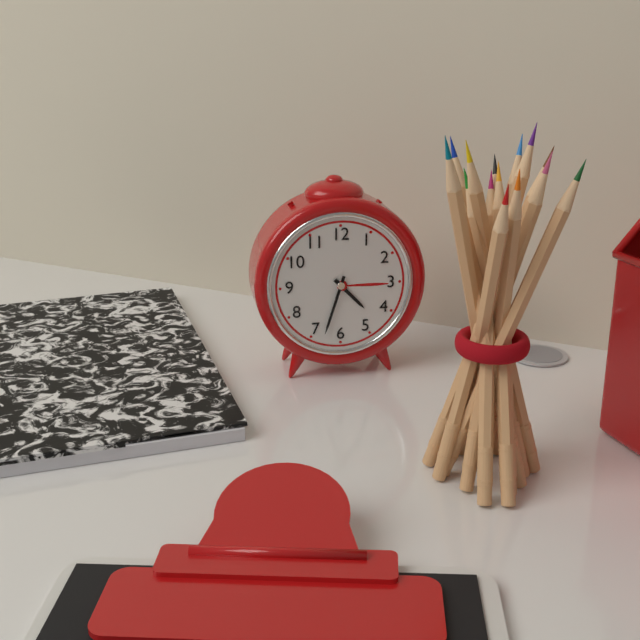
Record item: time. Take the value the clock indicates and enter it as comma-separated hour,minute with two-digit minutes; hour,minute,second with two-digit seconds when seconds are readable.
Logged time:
4,33
